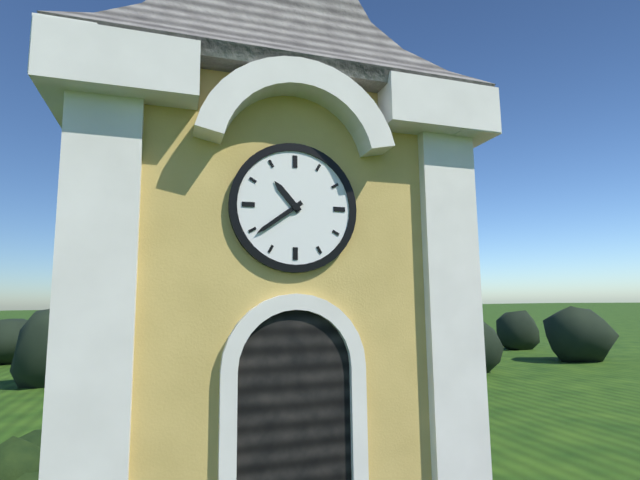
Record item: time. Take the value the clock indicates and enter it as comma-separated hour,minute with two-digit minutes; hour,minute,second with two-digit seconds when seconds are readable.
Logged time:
10,39
